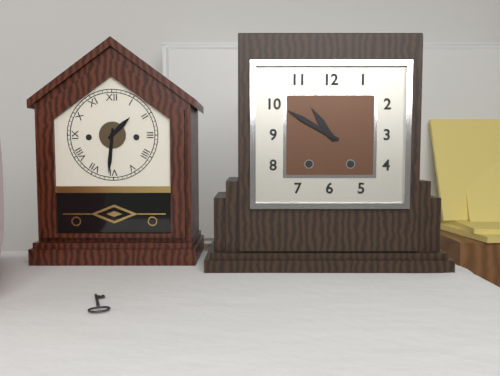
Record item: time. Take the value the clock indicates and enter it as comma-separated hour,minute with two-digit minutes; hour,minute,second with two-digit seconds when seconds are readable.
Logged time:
10,50
